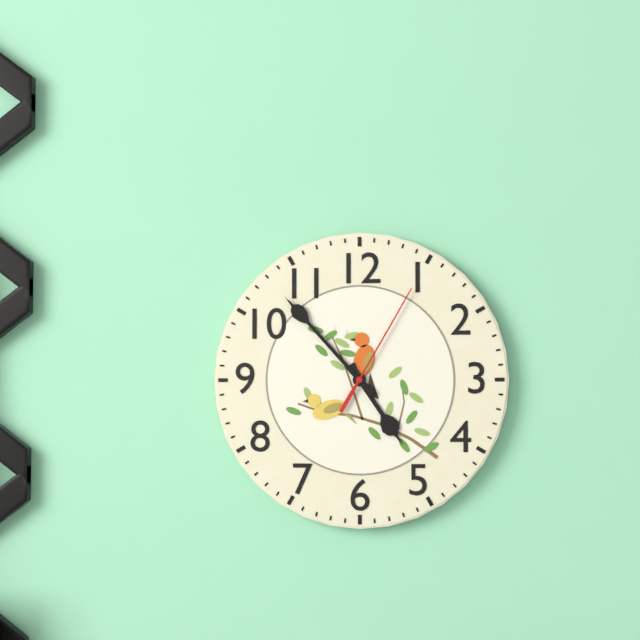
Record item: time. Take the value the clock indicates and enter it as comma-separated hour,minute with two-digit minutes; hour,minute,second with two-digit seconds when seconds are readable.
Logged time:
4,53,05
